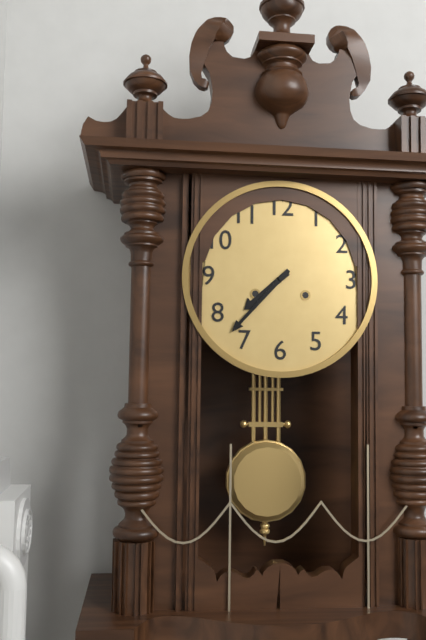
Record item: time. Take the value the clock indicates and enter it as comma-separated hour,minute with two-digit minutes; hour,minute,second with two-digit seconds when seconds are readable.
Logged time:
7,37
